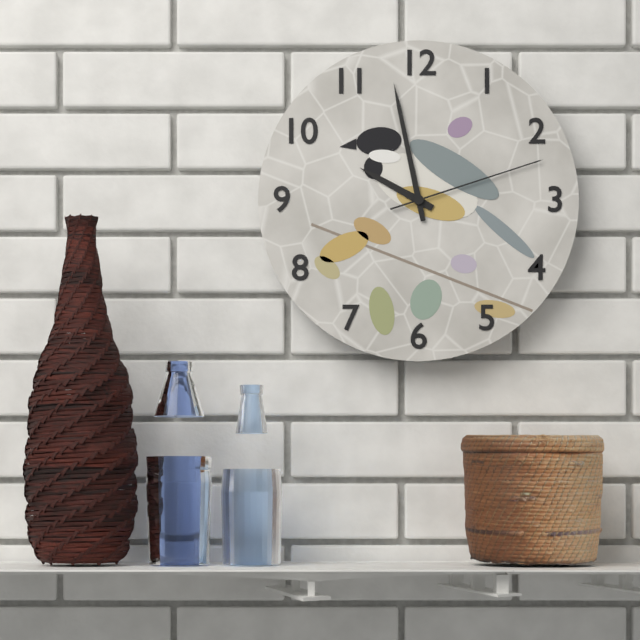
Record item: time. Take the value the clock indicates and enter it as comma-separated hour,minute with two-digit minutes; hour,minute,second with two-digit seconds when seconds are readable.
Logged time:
9,58,12
